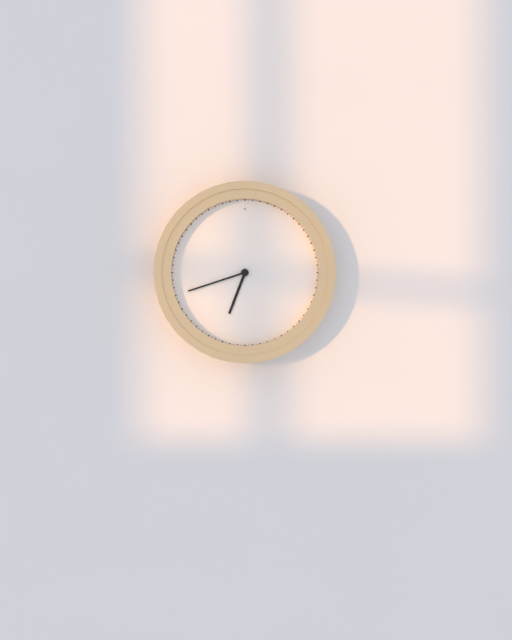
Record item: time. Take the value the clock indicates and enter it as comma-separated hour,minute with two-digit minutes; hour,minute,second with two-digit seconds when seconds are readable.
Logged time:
6,42
